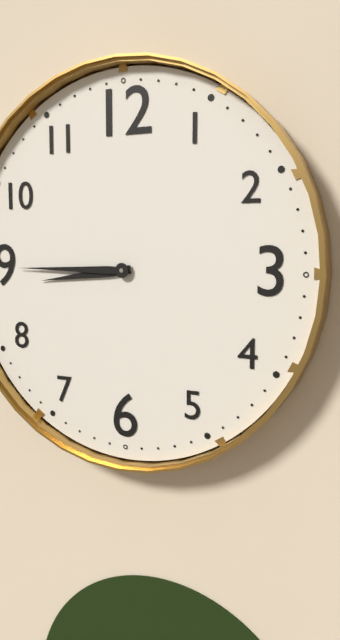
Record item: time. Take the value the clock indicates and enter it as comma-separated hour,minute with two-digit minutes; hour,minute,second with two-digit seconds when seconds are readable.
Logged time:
8,45
